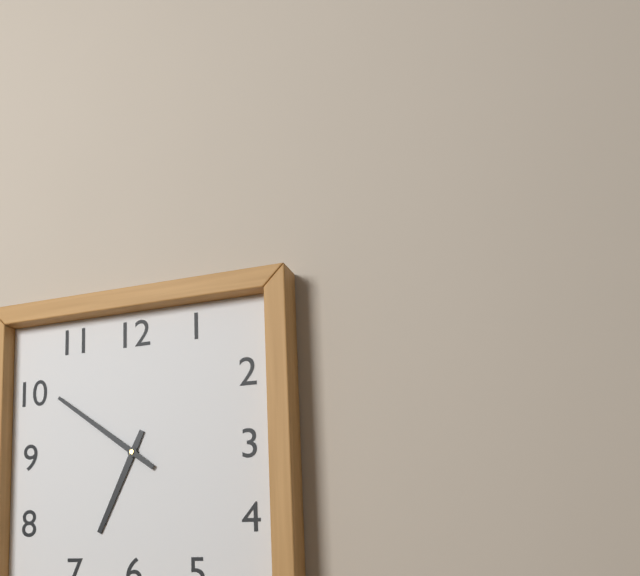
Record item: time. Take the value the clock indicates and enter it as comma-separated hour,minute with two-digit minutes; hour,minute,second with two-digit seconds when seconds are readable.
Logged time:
6,51
